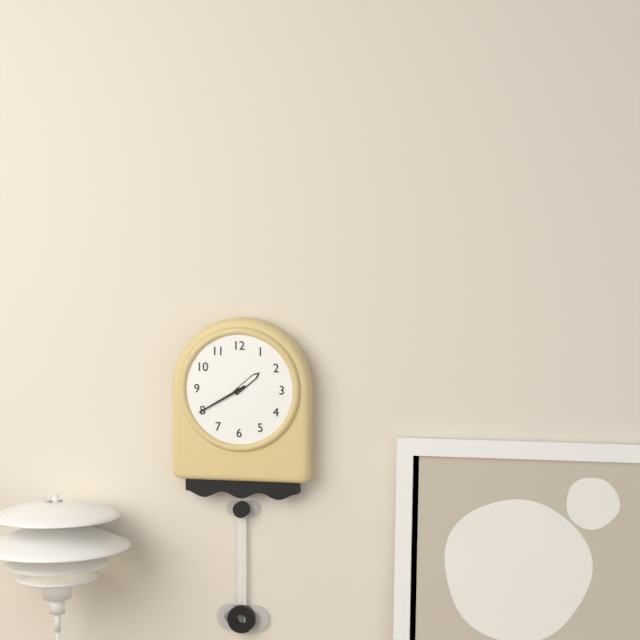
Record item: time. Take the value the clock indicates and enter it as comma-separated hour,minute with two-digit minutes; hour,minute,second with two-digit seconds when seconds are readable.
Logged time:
1,40
